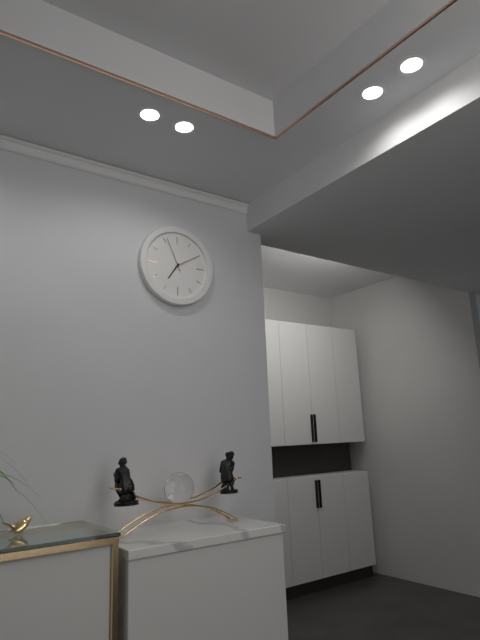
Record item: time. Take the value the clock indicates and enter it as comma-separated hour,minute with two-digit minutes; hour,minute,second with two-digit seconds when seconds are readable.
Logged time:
7,10
